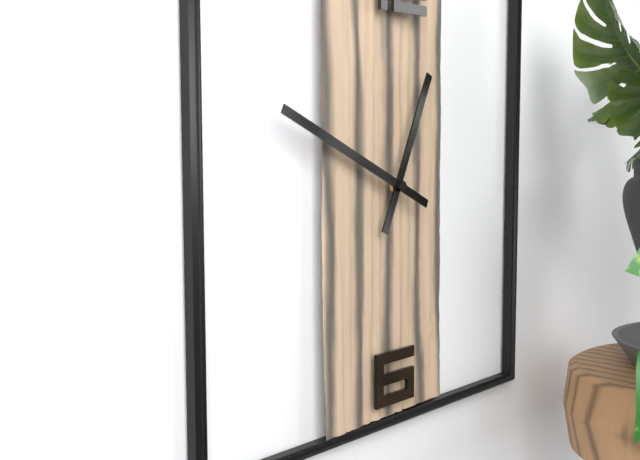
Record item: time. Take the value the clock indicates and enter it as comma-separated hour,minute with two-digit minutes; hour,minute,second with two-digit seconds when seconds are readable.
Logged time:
12,49
